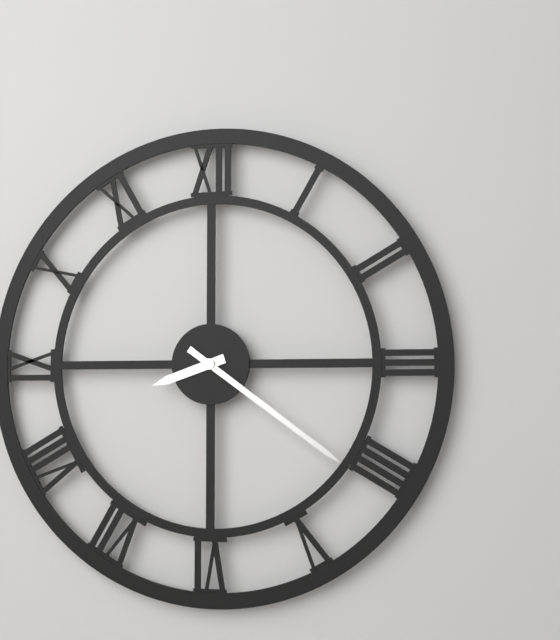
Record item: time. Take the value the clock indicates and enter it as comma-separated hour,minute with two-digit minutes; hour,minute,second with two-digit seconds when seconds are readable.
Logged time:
8,21
